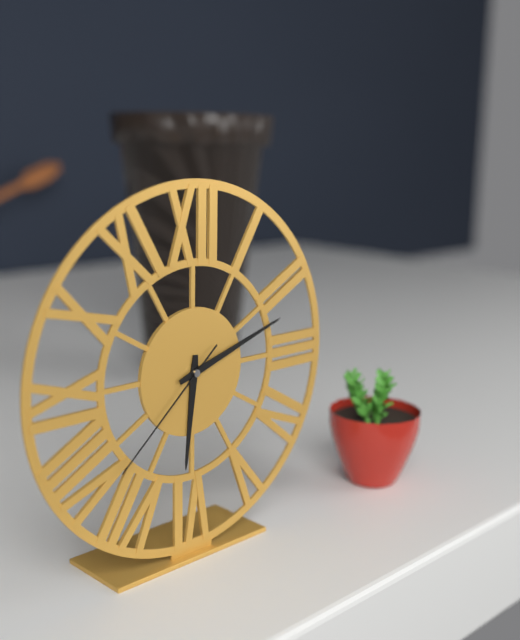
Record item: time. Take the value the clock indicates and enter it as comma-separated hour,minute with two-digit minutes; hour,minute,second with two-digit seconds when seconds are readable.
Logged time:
6,12,38
